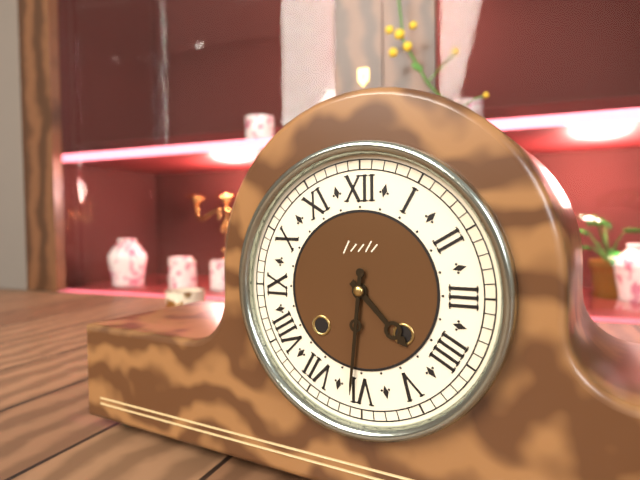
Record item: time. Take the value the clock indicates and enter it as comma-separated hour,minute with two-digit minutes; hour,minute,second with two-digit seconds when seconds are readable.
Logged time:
4,31
